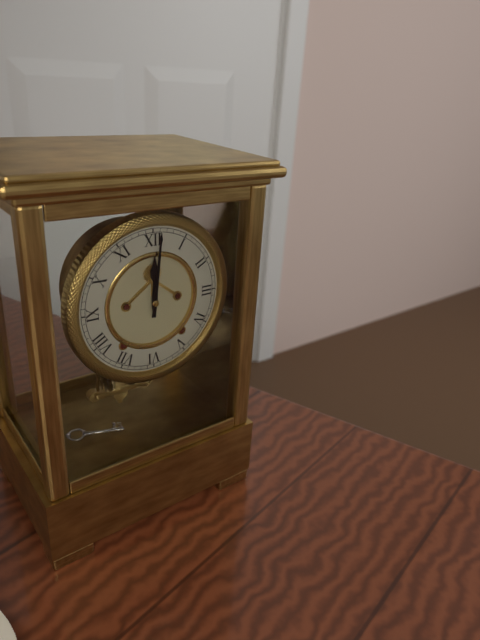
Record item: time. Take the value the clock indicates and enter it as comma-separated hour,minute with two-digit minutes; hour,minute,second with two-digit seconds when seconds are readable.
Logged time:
12,01
